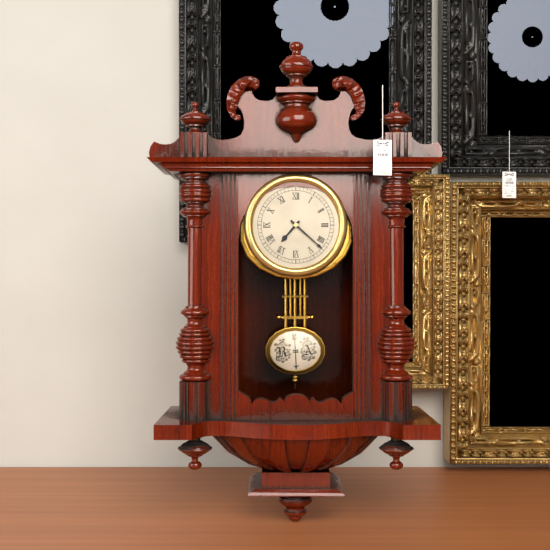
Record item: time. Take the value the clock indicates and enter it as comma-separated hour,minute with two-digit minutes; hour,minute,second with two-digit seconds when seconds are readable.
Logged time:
7,22
